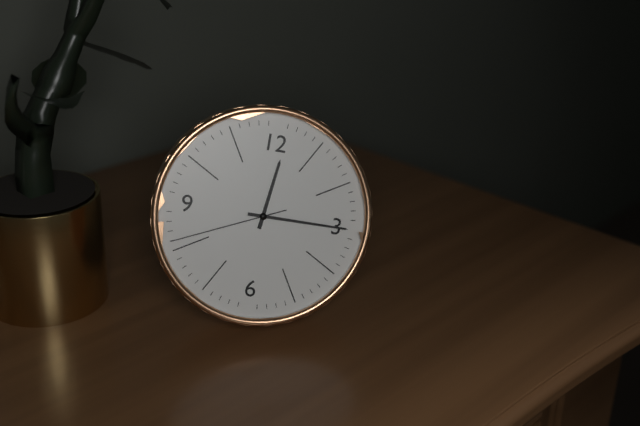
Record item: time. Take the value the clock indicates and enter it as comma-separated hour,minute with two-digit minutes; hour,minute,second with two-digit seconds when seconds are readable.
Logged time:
12,15,41
